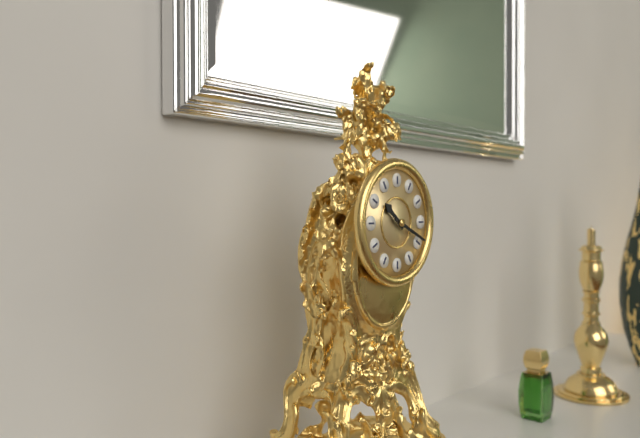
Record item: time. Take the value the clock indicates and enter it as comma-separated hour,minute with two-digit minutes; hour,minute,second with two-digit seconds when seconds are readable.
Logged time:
10,19
